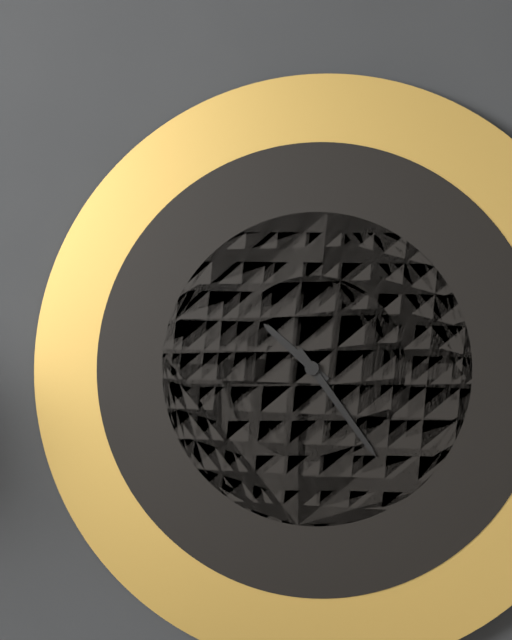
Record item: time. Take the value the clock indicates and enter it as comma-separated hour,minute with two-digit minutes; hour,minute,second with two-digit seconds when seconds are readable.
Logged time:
10,24
